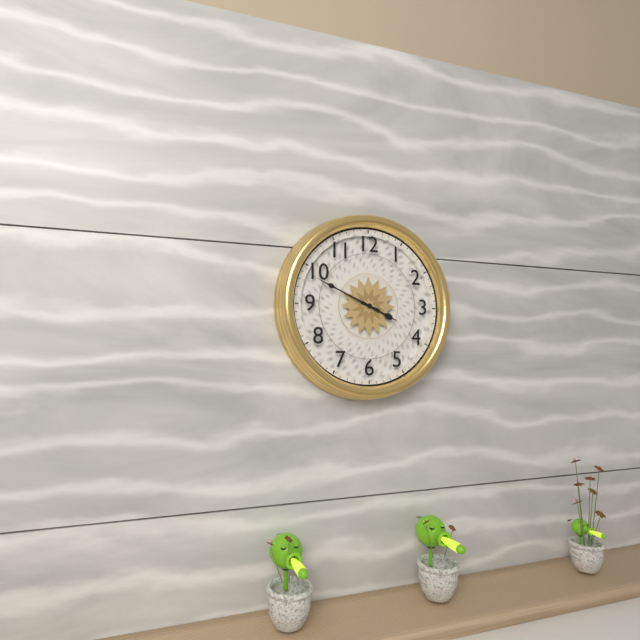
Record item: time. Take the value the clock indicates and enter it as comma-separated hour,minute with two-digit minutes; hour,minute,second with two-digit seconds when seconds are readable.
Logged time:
3,49
